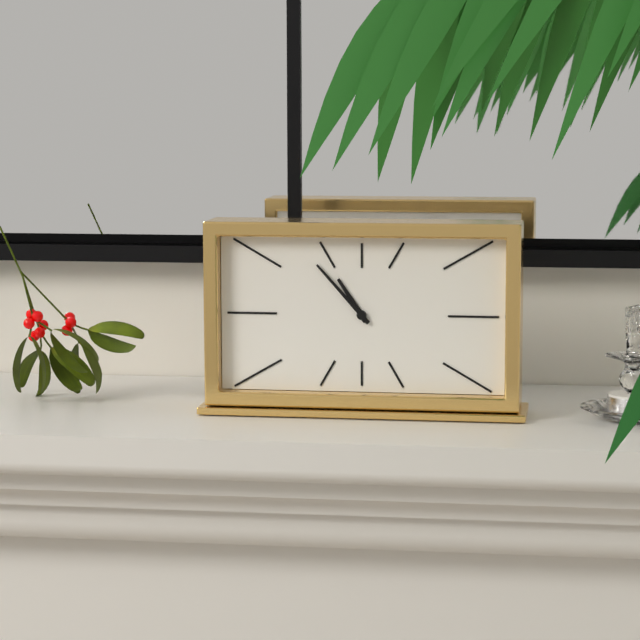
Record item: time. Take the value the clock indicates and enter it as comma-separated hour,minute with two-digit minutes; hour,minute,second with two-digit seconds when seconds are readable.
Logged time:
10,53
